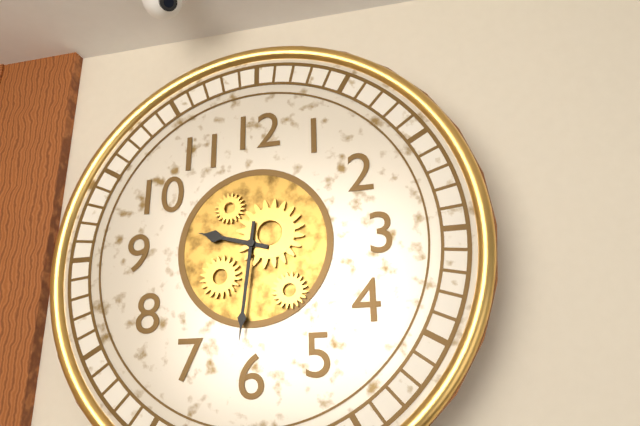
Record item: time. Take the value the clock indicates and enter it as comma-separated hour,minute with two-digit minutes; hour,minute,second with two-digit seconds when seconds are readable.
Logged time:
9,31
